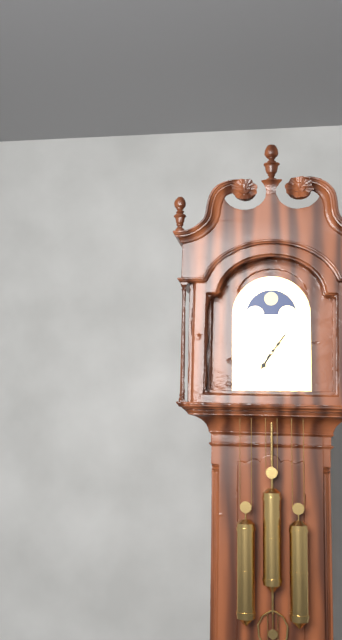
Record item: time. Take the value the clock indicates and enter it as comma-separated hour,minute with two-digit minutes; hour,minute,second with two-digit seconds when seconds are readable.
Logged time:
7,06
